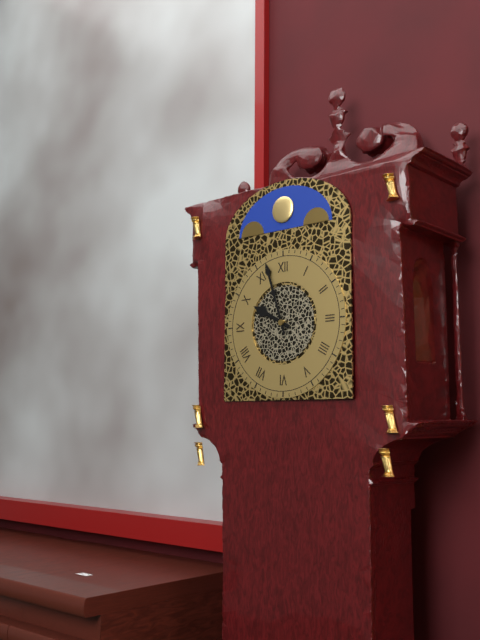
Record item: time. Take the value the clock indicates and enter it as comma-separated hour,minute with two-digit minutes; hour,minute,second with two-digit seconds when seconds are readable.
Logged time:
9,57
